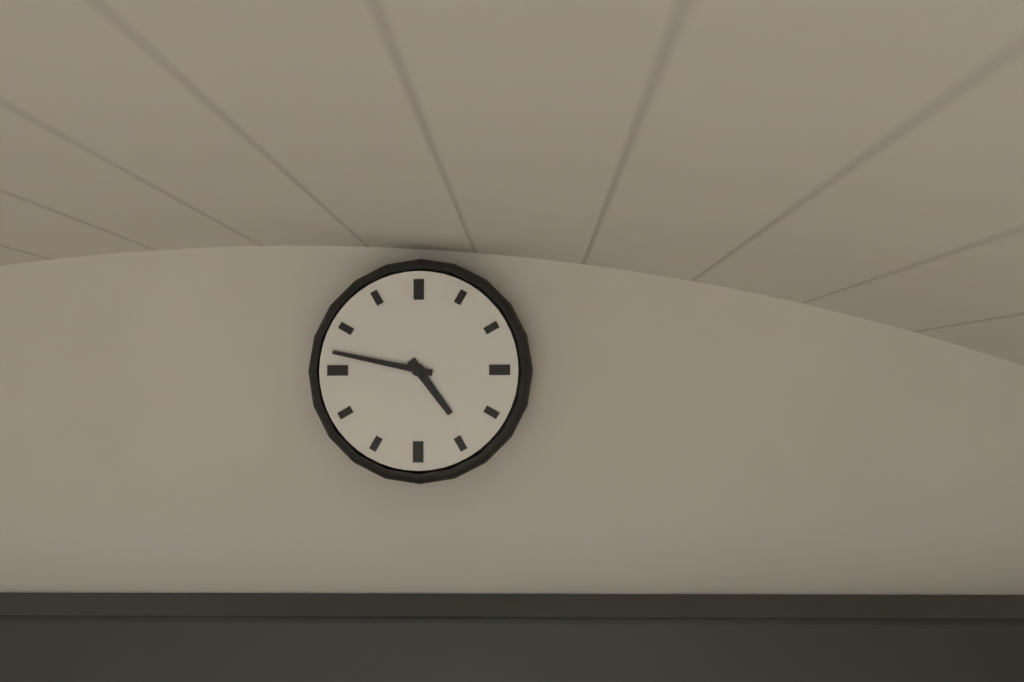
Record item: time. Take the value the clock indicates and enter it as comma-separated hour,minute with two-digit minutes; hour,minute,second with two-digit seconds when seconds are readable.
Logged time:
4,47
